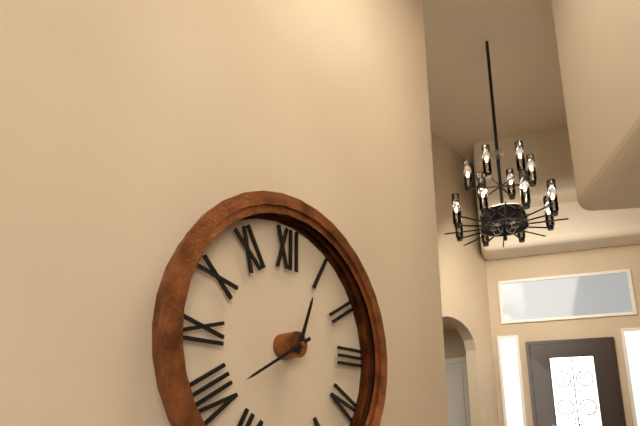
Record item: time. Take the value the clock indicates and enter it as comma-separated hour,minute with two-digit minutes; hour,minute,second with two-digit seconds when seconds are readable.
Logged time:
12,40
